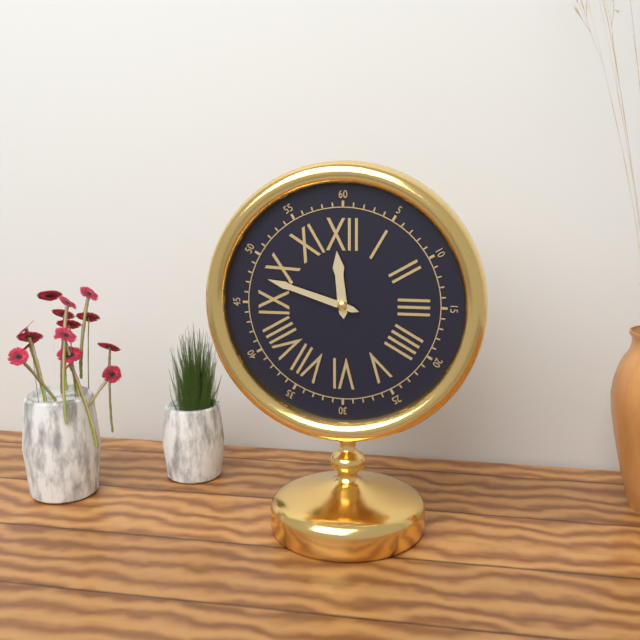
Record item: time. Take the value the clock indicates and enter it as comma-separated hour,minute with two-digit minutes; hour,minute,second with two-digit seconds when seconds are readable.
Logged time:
11,48
